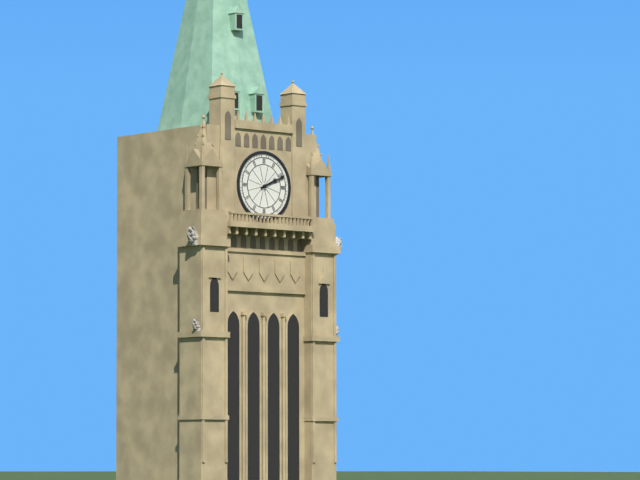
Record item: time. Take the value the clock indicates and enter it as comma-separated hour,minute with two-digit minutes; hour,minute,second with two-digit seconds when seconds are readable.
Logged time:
2,11
